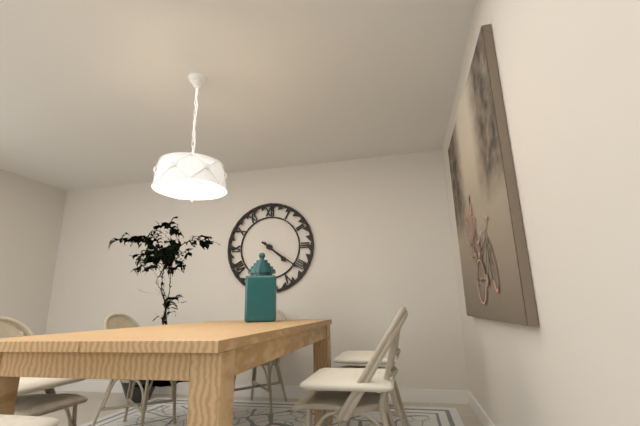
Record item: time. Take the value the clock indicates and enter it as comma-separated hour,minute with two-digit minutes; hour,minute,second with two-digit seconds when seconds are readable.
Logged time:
4,21
